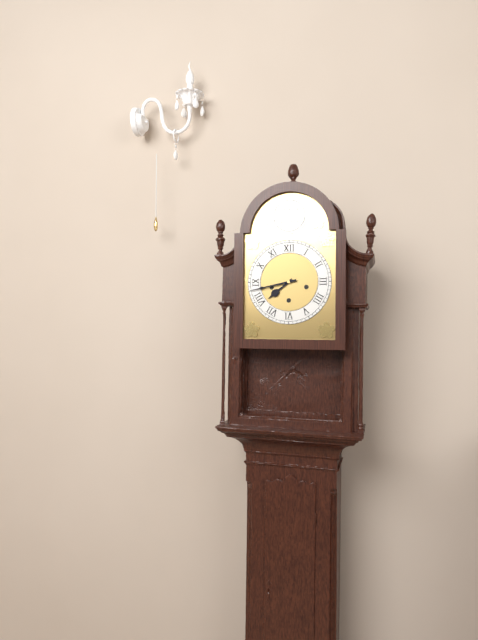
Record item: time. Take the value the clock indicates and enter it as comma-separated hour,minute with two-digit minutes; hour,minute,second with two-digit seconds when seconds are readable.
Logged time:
7,43
